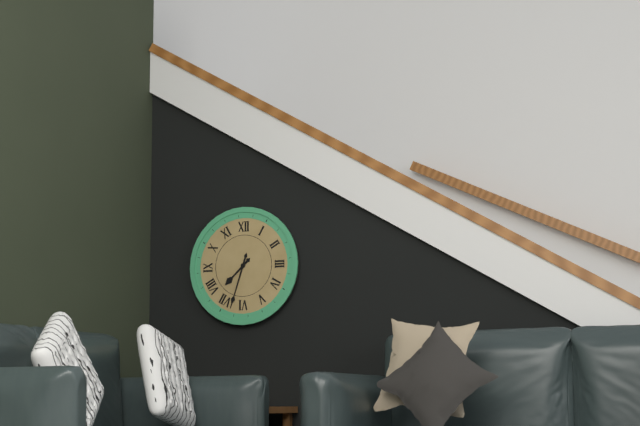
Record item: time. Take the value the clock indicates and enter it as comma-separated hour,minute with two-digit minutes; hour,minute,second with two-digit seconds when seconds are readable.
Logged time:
7,33
